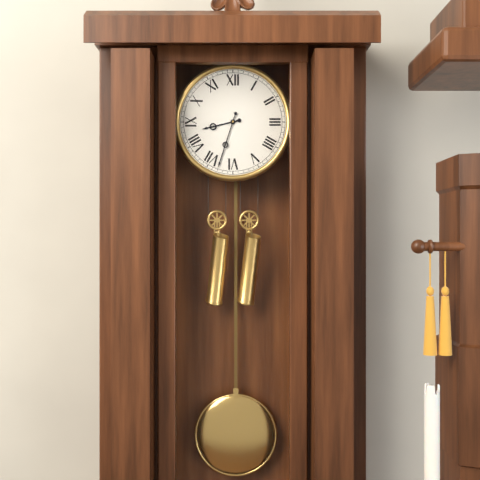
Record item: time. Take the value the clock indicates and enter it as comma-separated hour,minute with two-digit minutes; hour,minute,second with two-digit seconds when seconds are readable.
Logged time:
8,33
